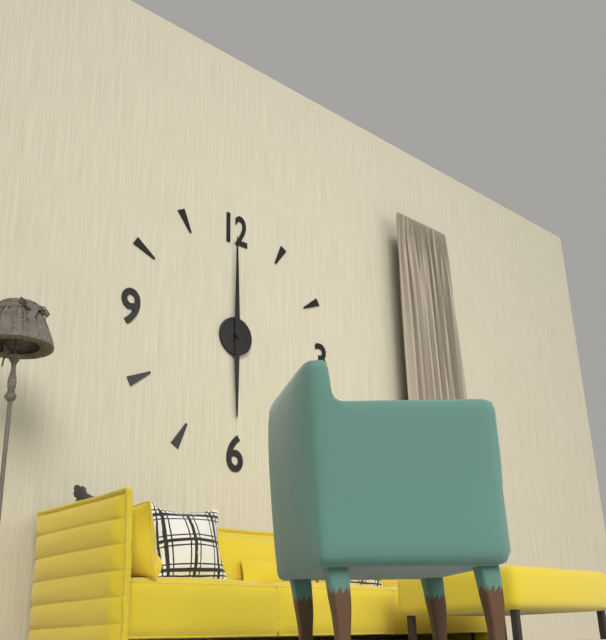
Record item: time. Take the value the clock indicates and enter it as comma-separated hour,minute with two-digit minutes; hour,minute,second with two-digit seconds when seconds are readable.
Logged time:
6,00
